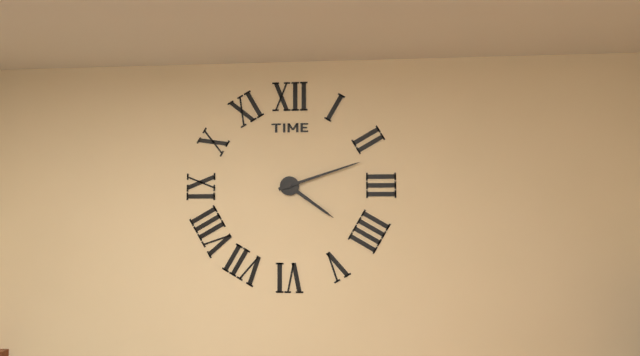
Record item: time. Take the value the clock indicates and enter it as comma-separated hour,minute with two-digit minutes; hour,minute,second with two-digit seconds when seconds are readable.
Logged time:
4,12
